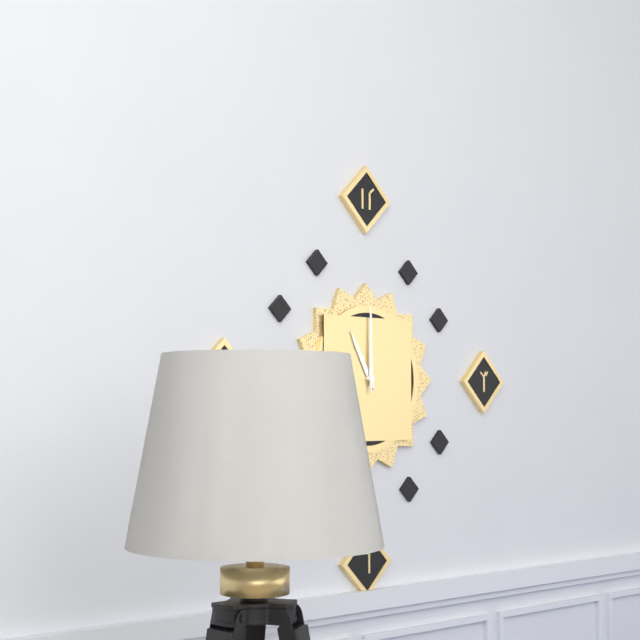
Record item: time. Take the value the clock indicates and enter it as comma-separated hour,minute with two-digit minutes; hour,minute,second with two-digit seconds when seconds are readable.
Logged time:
11,00
